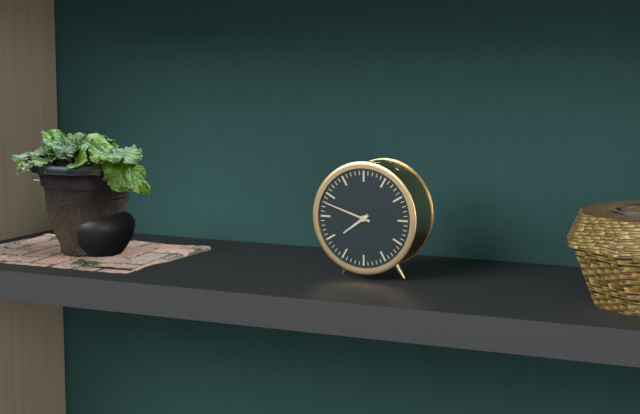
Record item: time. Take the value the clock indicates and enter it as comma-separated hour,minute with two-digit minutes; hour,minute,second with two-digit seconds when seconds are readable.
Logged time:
7,48
